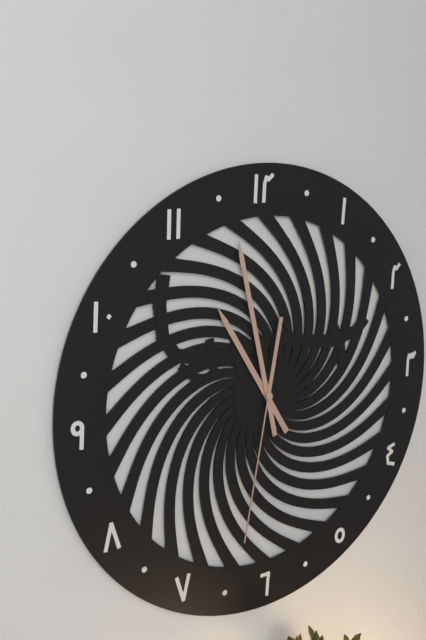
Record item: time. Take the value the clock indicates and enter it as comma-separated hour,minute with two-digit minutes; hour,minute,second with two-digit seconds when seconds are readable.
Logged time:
10,58,32
